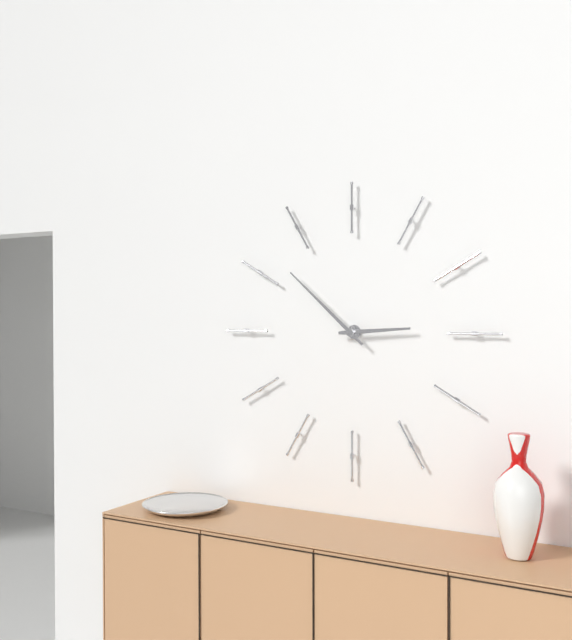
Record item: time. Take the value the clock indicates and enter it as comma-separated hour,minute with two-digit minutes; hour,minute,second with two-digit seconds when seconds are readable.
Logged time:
2,52
